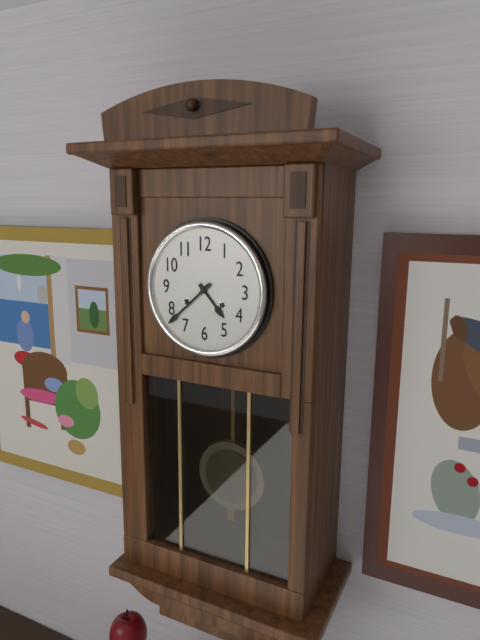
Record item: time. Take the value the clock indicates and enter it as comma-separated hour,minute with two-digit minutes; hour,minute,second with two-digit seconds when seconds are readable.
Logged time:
4,38
